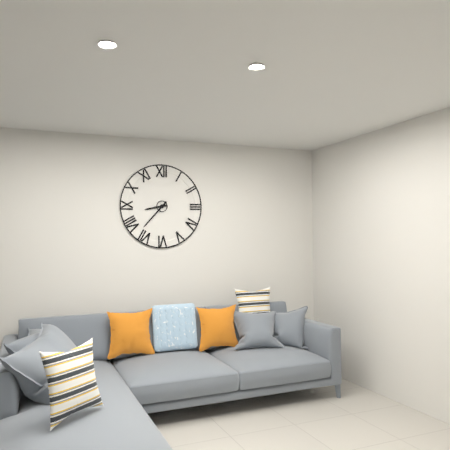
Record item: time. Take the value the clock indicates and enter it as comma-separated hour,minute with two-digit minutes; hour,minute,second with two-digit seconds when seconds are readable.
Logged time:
8,37
